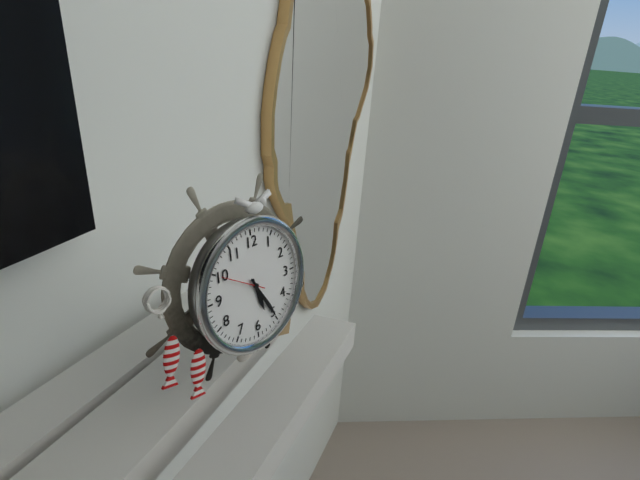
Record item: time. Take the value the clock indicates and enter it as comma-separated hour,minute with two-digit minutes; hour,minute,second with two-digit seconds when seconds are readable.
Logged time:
5,25
